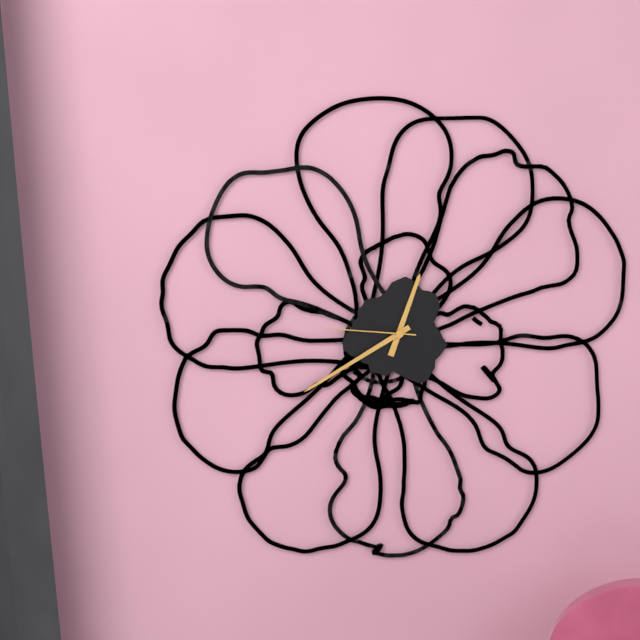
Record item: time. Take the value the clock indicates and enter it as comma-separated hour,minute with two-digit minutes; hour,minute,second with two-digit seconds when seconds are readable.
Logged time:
12,40,46
